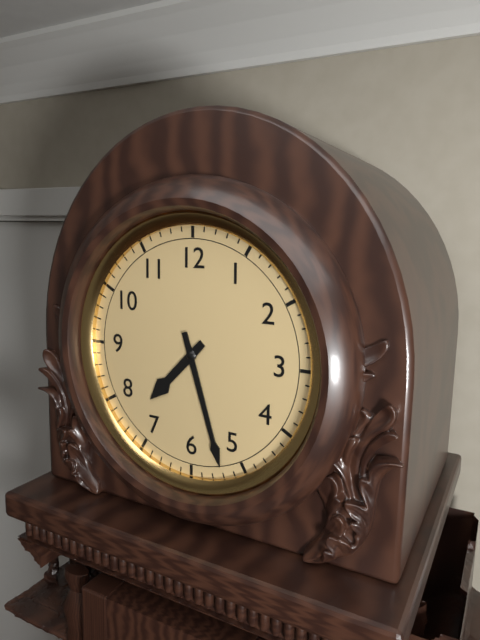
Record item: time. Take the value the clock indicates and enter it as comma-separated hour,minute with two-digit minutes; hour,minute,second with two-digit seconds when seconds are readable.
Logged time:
7,27
